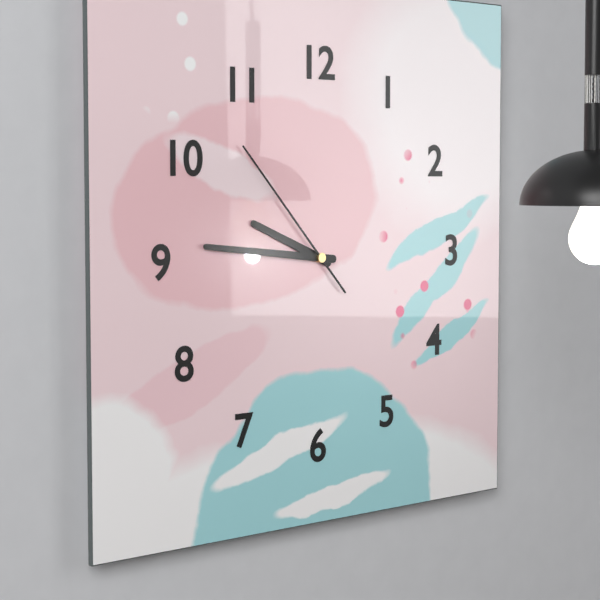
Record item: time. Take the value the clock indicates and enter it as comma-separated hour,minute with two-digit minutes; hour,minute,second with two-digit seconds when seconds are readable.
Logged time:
9,46,53
